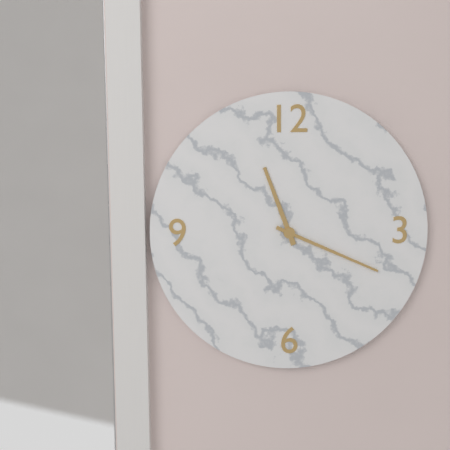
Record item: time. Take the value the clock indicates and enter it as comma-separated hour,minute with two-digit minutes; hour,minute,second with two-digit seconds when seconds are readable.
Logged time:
11,19
